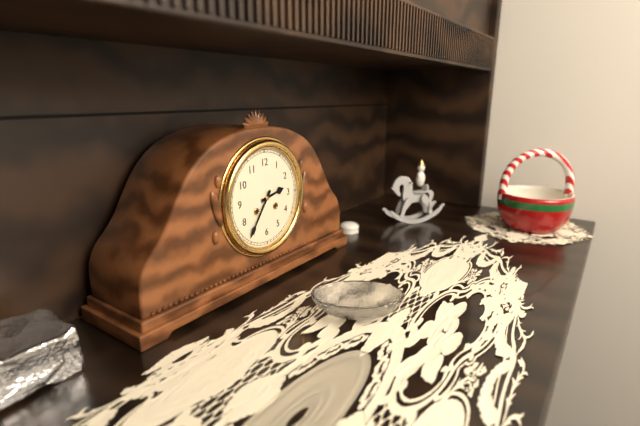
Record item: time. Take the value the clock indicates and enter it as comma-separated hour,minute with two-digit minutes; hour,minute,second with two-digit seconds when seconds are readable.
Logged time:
2,36
